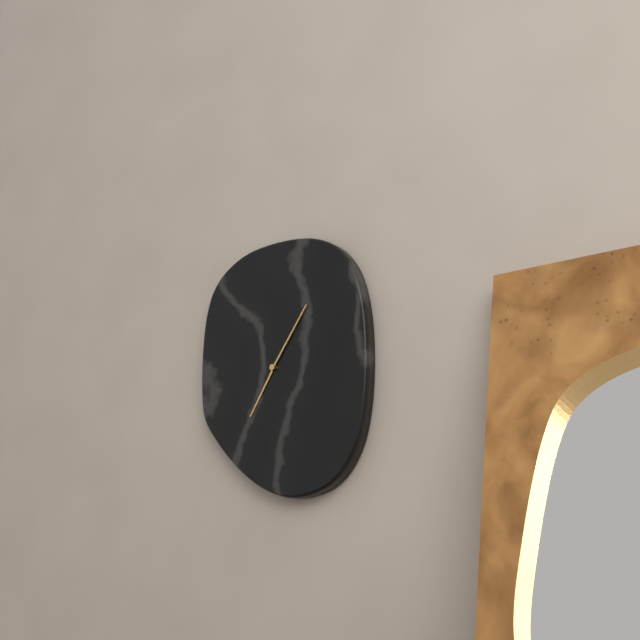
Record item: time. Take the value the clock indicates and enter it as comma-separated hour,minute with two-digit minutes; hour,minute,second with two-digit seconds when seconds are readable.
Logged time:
7,06
